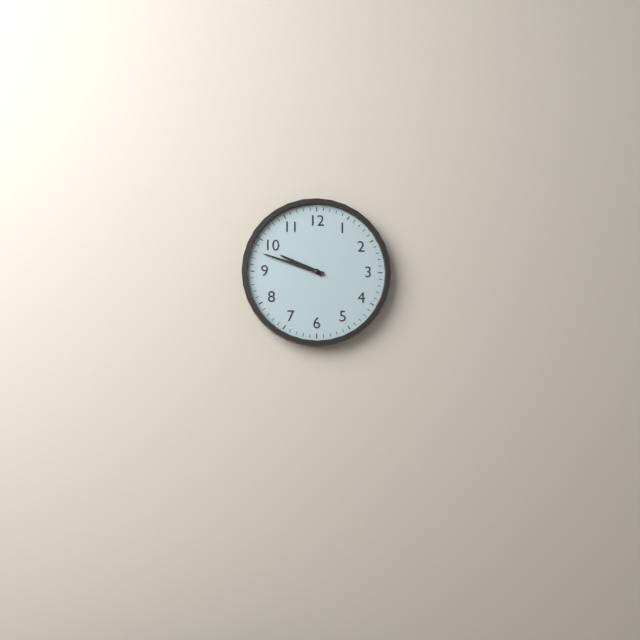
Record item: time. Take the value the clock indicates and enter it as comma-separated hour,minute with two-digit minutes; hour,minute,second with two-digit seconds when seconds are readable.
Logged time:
9,48
